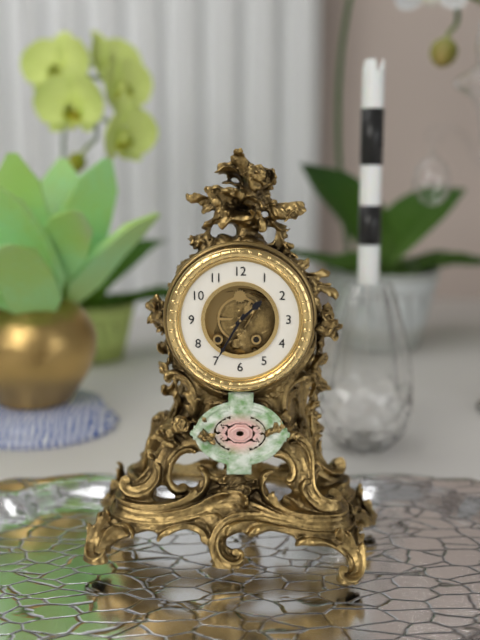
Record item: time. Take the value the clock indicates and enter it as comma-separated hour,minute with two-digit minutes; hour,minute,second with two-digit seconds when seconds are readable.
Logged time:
1,35
